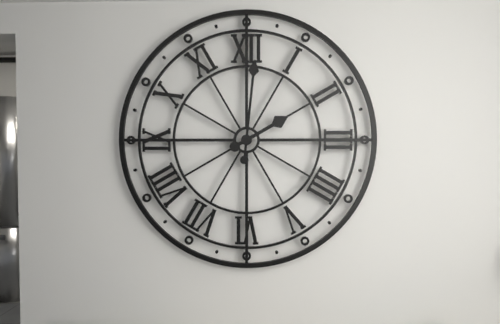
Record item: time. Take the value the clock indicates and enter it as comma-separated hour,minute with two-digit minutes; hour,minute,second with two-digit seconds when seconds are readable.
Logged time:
2,01
